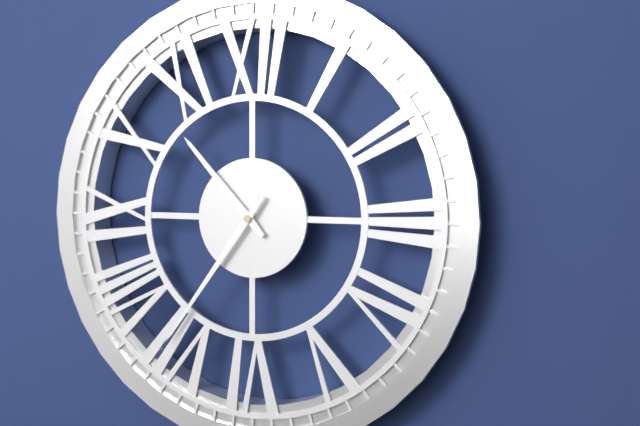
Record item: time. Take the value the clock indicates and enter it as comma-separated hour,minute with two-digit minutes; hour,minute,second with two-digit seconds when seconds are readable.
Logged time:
10,36
